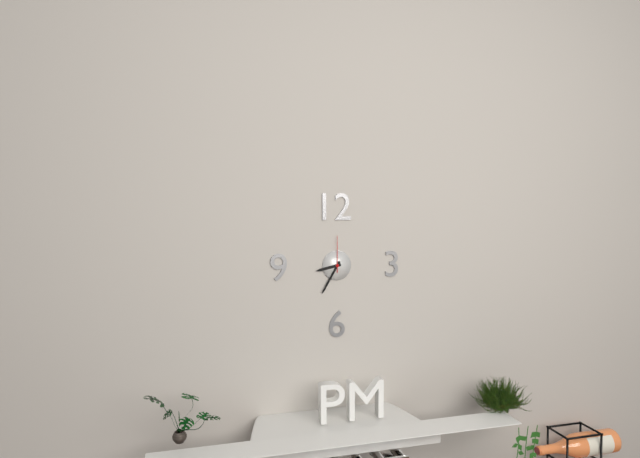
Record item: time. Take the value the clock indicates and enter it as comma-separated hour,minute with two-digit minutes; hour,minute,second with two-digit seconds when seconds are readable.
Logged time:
8,35
